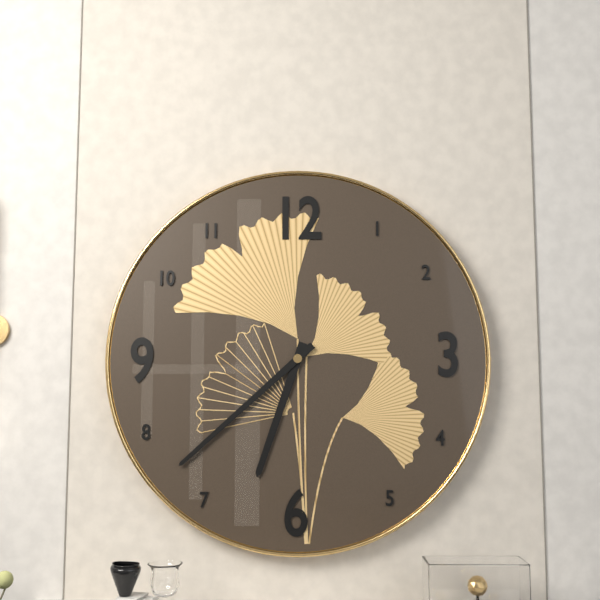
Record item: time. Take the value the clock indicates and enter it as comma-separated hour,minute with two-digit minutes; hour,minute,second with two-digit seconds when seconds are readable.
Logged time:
6,38
